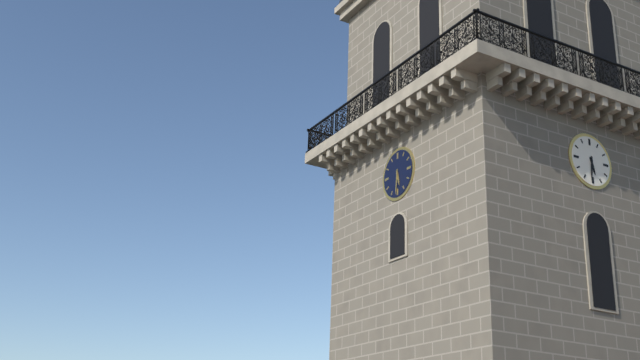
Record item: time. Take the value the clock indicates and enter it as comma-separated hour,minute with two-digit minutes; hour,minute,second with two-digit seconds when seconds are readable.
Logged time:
5,31
